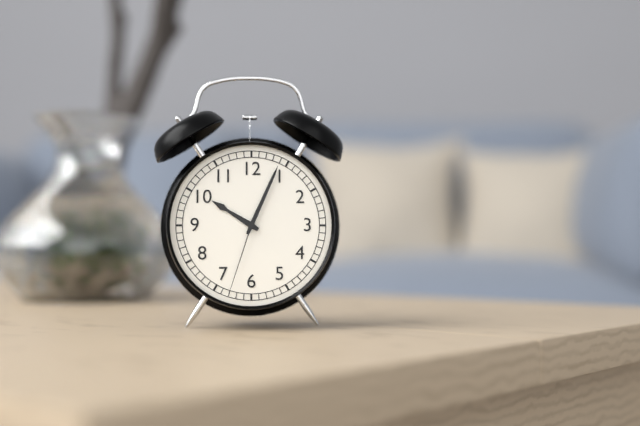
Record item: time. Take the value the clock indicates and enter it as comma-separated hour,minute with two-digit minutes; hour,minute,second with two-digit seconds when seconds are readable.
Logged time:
10,04,33
